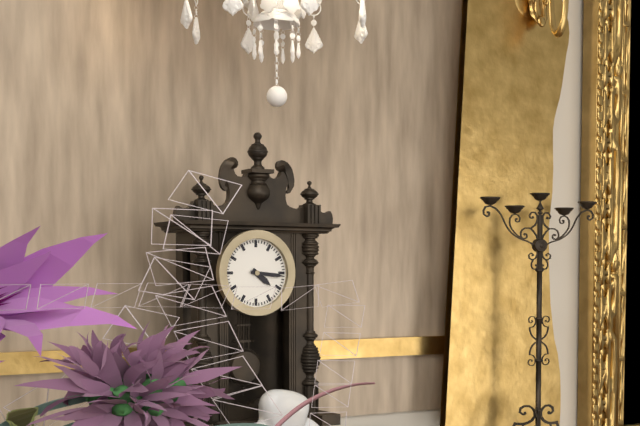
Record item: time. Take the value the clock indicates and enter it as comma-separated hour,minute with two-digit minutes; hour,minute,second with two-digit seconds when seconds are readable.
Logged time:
4,16
